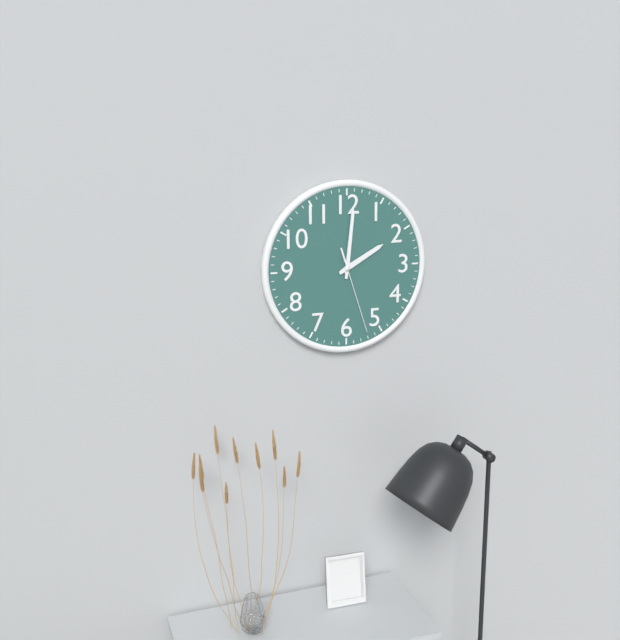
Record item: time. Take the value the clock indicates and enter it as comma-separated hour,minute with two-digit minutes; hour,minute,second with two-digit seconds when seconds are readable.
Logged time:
2,01,27
